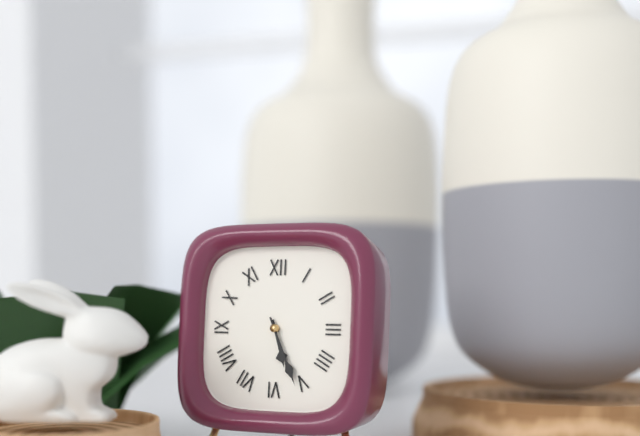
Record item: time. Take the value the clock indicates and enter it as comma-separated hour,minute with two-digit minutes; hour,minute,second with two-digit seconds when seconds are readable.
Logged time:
5,26
